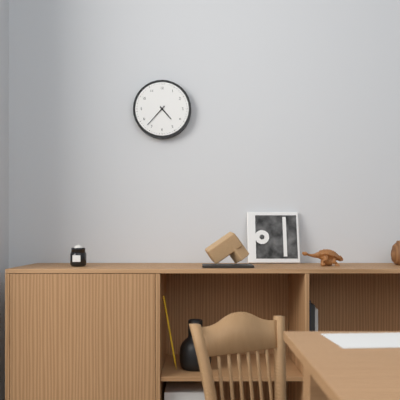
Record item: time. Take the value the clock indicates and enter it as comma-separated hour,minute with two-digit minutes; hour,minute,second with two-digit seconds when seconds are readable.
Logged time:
4,37
